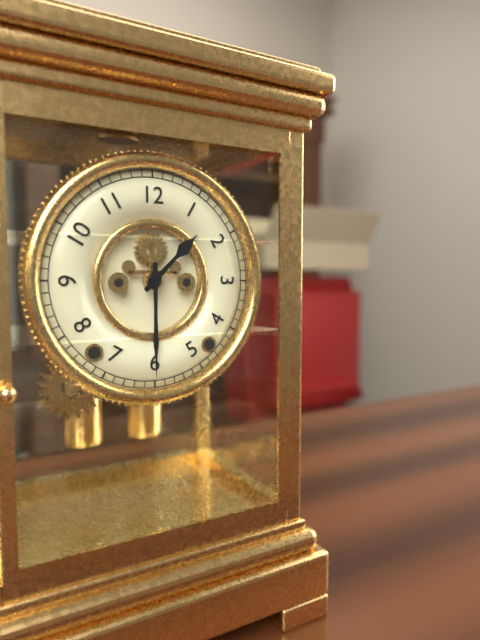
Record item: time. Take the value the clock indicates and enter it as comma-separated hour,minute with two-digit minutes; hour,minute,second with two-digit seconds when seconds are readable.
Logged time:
1,30
